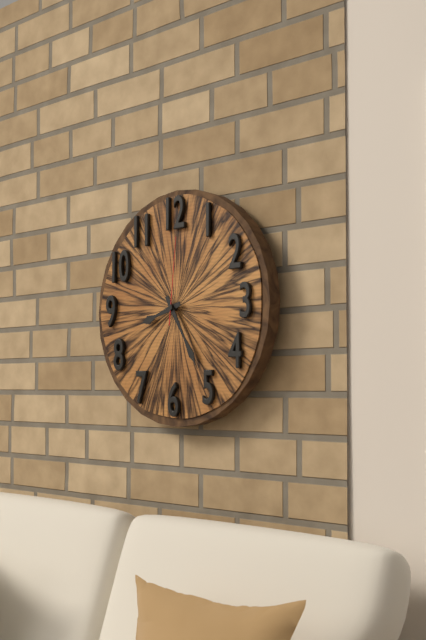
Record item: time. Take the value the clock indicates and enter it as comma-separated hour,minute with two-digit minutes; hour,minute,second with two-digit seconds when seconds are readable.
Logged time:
8,25,01
